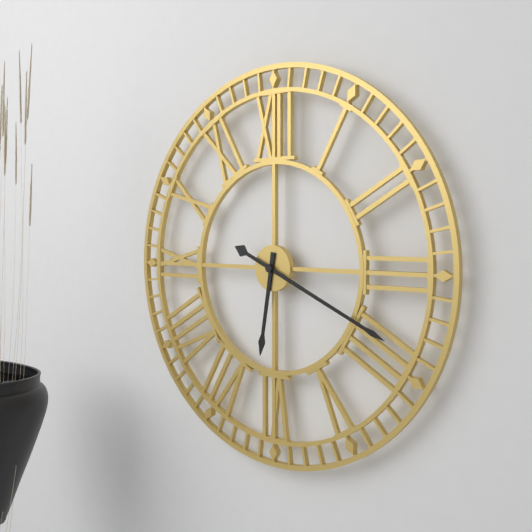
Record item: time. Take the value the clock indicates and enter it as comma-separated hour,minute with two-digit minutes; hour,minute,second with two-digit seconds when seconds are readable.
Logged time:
6,19
